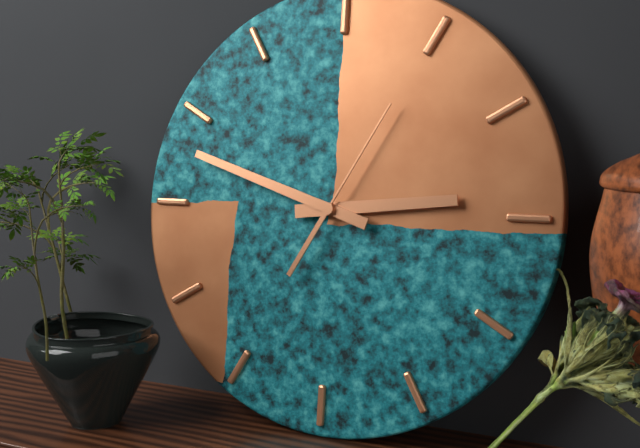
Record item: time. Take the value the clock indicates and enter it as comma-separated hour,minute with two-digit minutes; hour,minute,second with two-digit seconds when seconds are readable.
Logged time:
2,48,05
